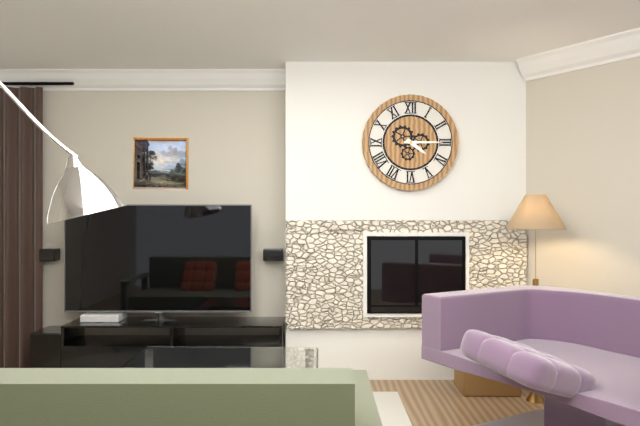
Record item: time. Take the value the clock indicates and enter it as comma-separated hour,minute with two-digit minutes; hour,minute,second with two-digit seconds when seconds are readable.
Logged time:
4,15
